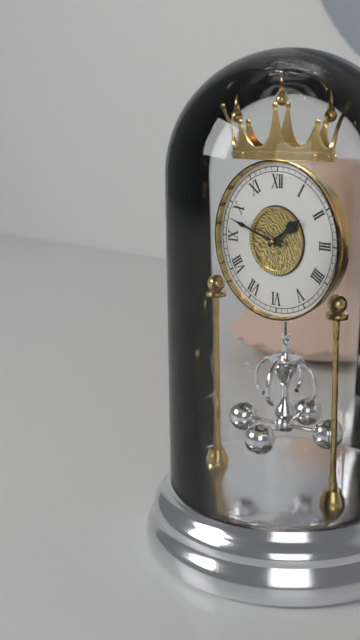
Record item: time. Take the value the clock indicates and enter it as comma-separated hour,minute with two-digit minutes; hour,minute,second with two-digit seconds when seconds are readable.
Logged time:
1,48
